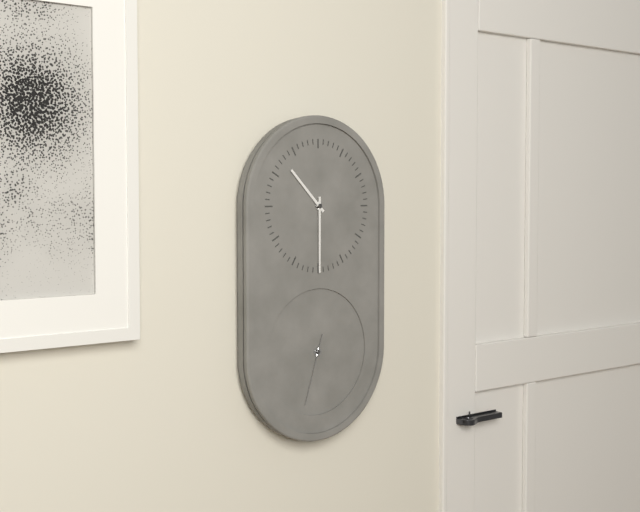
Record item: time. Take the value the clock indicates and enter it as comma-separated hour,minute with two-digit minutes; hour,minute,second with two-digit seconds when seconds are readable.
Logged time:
10,30,33
